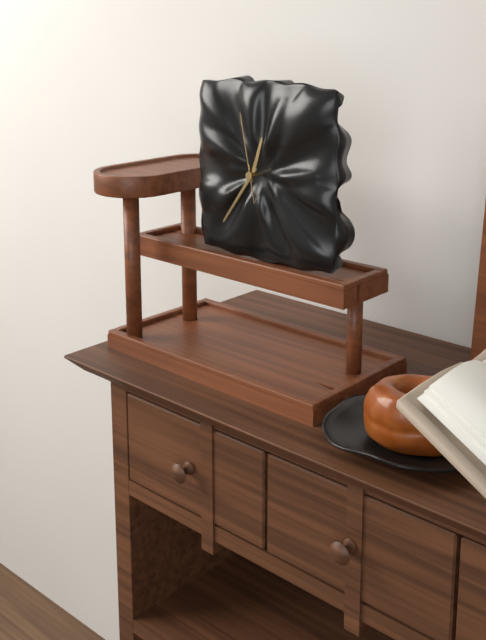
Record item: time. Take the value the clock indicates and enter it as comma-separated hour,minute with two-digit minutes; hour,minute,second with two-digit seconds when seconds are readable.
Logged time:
12,36,58
